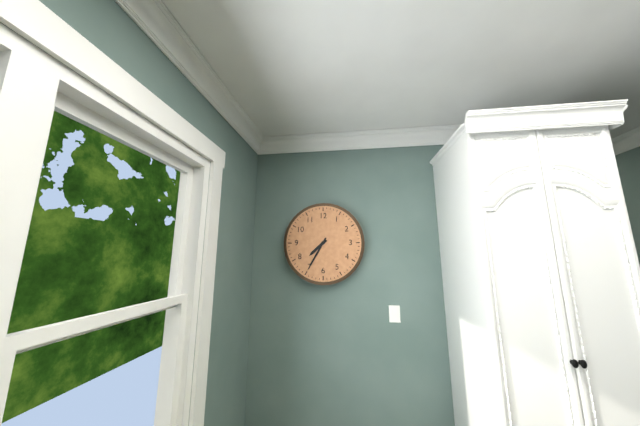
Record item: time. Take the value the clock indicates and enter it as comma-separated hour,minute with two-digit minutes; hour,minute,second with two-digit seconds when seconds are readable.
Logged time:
7,35
